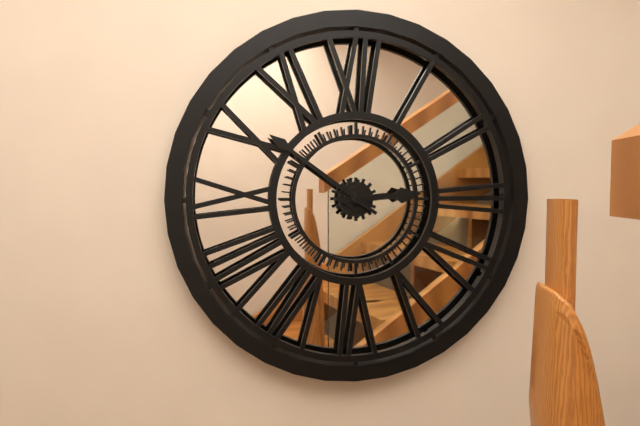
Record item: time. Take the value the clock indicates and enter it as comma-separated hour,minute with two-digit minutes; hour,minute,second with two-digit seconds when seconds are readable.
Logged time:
2,51
